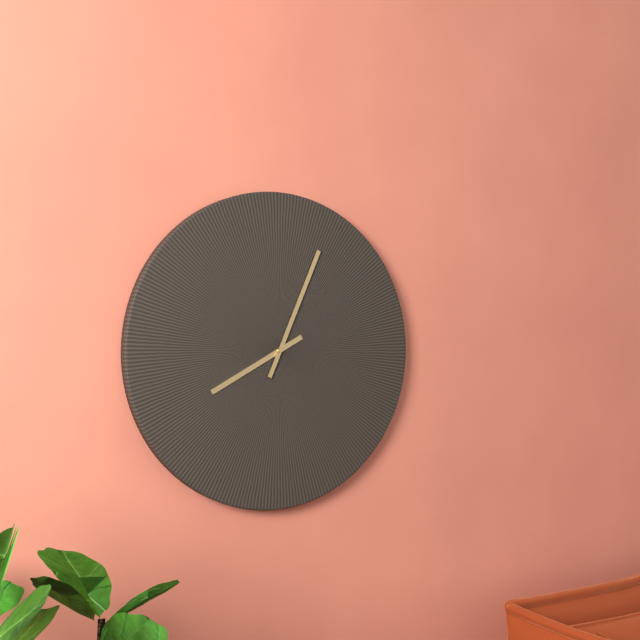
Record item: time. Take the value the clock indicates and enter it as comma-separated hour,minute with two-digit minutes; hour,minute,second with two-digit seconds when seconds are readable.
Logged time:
8,04
